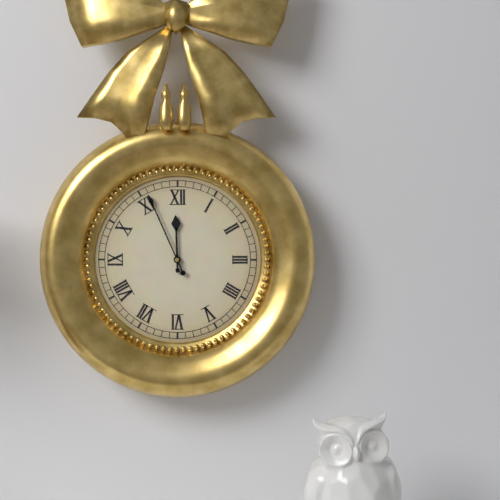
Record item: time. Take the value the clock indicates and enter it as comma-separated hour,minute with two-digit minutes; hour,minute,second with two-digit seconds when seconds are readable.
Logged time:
11,56
